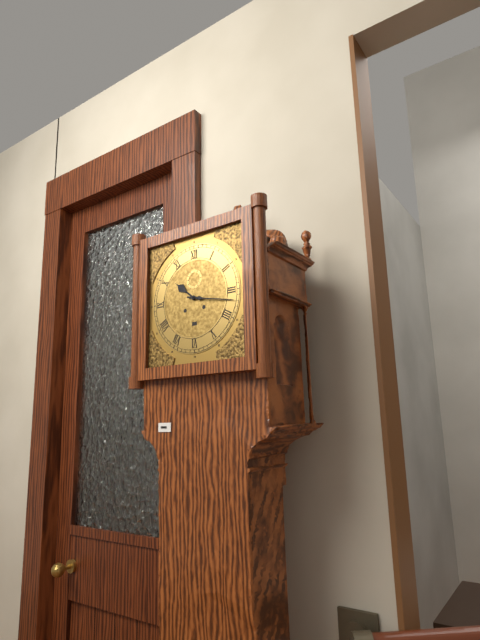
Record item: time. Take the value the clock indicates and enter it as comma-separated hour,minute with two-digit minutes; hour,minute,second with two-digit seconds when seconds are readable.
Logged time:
10,17
